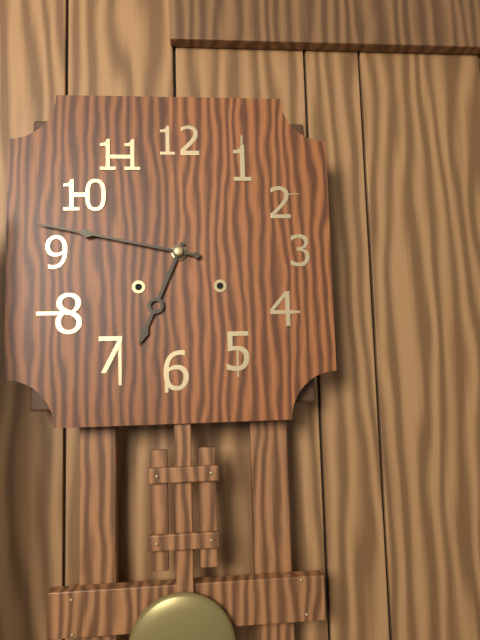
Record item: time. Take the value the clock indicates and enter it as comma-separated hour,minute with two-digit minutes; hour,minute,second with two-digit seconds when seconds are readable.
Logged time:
6,47
